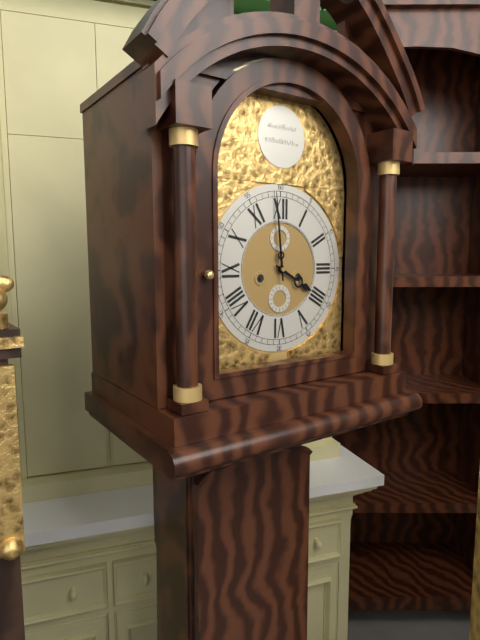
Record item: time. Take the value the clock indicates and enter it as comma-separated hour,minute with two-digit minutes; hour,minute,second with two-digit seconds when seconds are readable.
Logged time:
3,59
